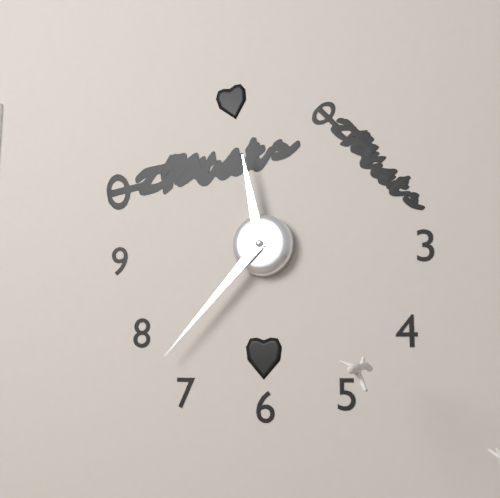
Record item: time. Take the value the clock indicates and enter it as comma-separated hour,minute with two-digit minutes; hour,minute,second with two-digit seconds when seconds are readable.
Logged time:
11,37
